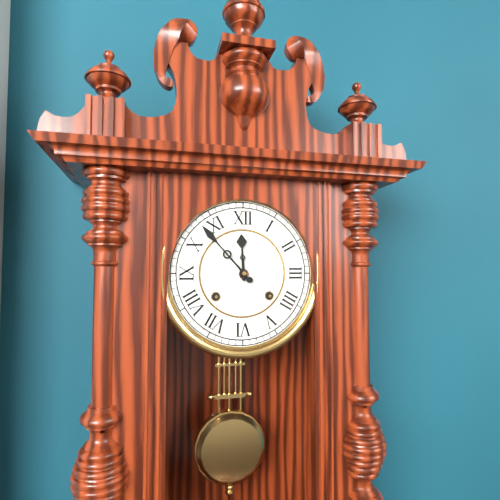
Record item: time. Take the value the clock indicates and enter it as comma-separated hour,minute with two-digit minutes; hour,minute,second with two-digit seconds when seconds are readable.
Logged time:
11,53
